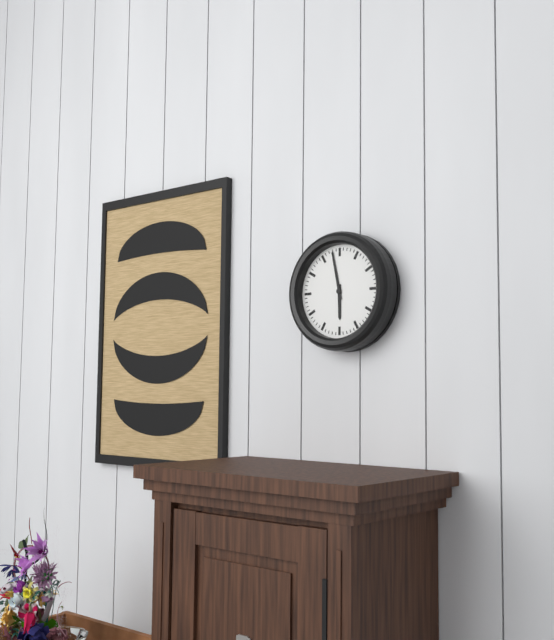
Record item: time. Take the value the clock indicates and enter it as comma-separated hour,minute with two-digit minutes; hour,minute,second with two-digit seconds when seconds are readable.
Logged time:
5,58
